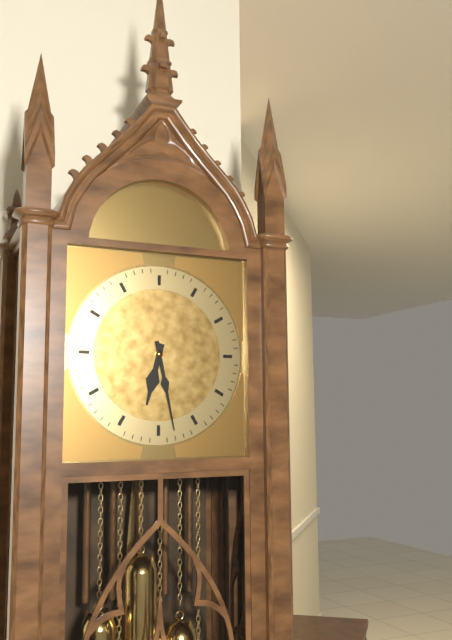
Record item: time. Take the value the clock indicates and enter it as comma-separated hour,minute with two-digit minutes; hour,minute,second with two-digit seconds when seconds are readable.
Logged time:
6,28
